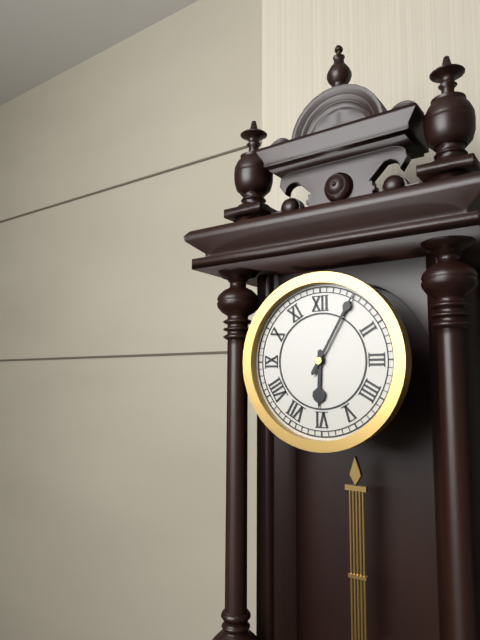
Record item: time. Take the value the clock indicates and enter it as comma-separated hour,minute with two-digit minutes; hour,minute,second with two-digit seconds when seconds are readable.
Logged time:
6,05
